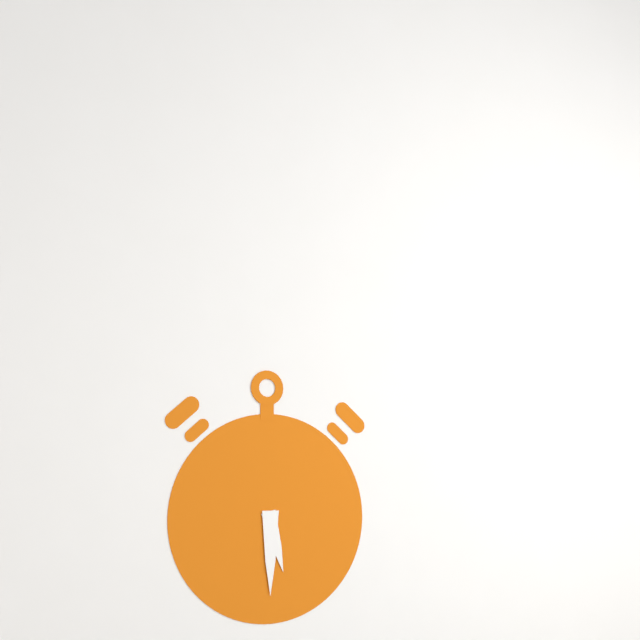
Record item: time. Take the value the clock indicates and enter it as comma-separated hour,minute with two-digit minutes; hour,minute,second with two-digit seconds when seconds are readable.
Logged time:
5,30
